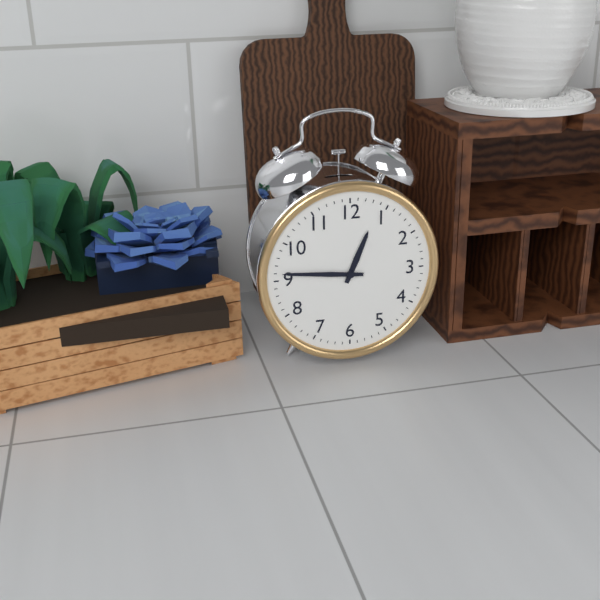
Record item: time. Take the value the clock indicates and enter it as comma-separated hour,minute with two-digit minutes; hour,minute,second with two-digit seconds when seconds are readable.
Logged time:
12,46
